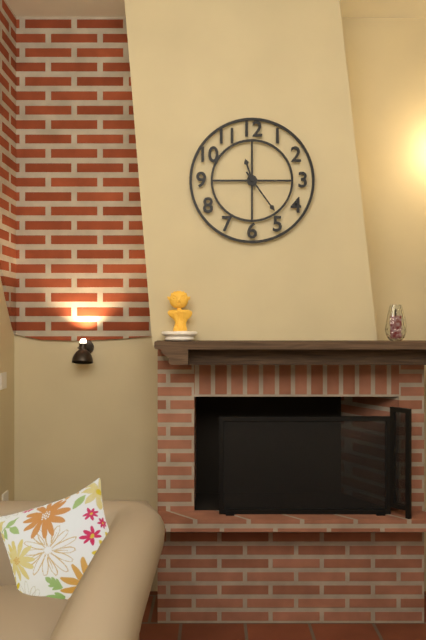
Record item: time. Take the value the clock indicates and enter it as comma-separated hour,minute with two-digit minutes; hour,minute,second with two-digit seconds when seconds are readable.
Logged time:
11,24
